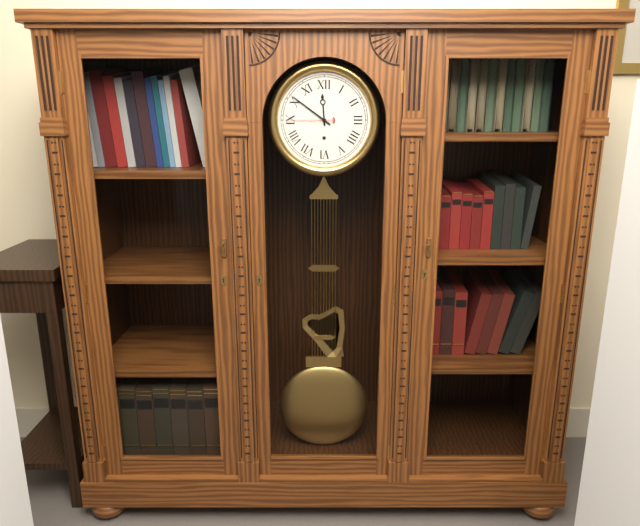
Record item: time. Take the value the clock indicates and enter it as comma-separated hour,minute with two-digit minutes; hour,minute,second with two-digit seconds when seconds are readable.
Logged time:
11,51
